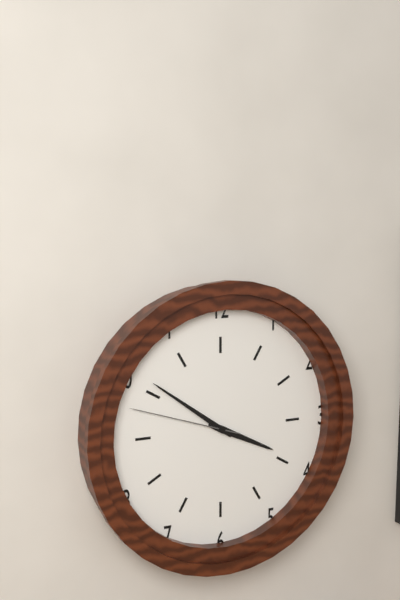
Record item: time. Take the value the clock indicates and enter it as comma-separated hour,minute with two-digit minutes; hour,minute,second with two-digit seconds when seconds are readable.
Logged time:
3,51,48
